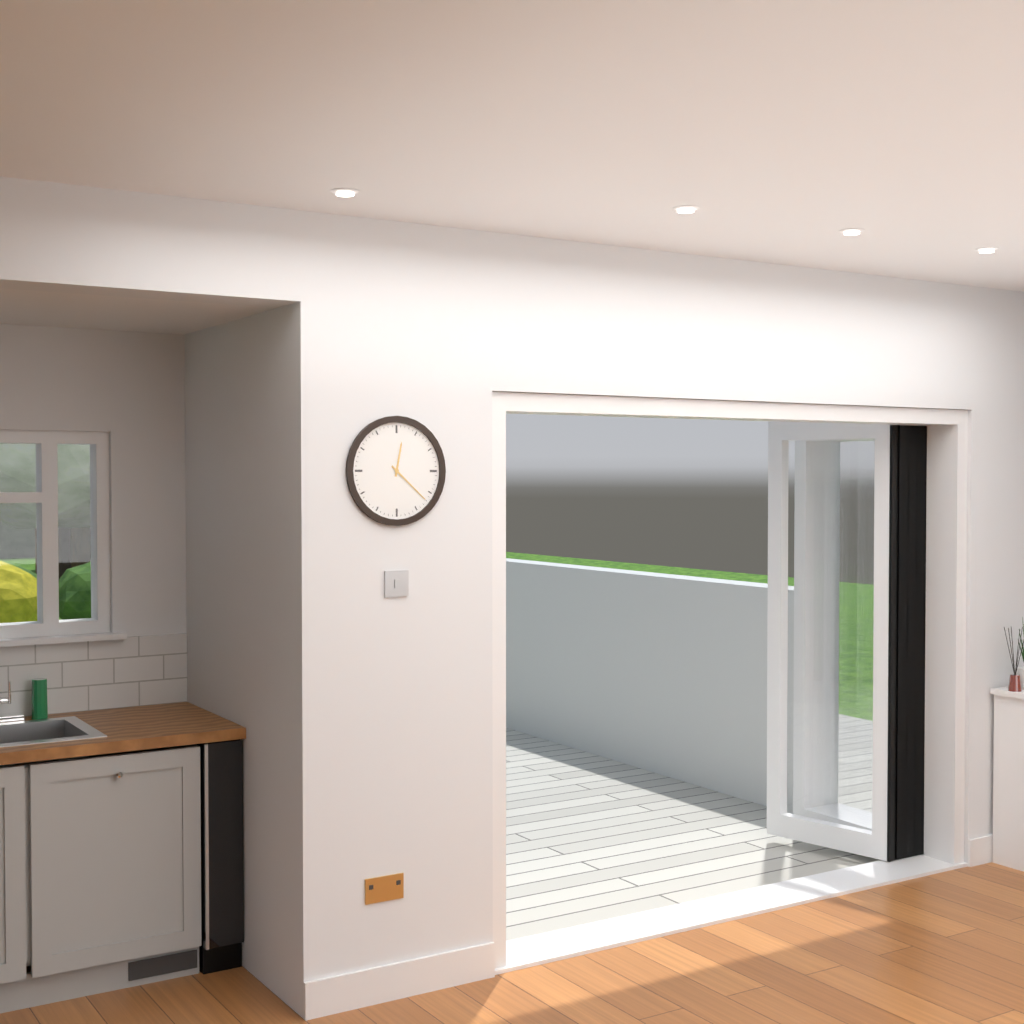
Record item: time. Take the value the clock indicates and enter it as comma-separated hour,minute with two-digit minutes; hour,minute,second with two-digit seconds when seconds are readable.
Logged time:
12,22
